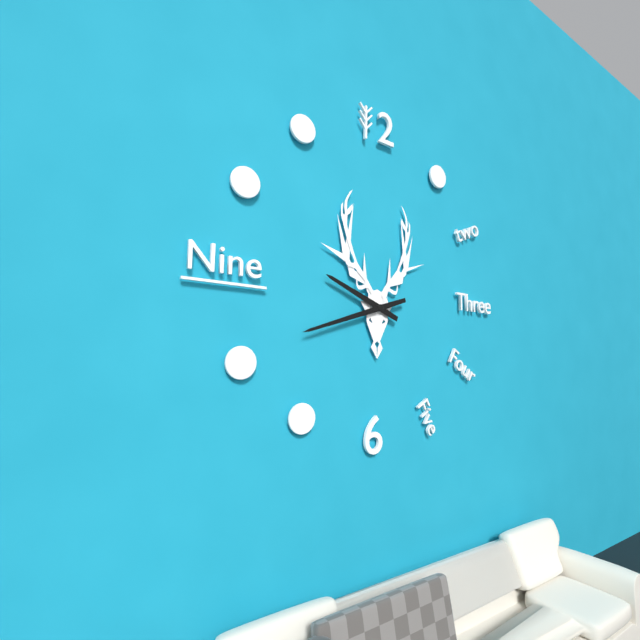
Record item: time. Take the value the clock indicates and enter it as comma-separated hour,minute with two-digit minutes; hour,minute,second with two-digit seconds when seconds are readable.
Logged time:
9,42
